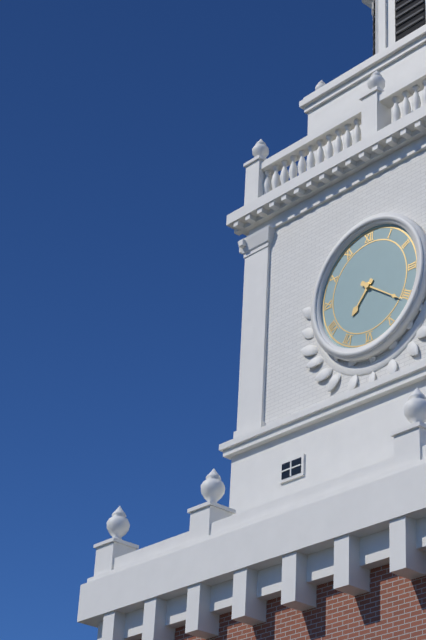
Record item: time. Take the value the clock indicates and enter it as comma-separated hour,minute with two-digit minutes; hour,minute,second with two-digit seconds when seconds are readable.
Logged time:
7,21
